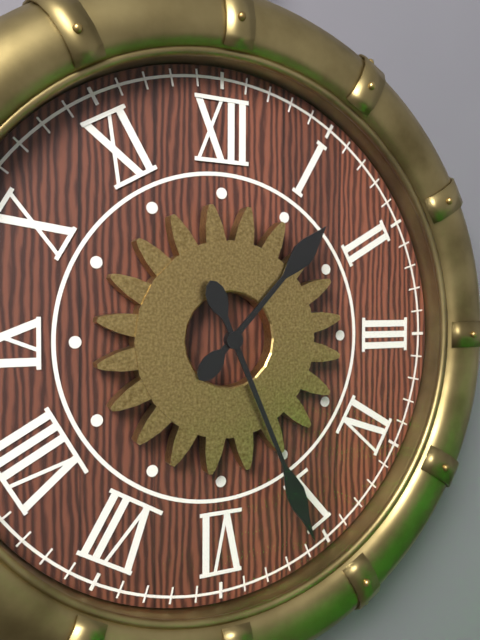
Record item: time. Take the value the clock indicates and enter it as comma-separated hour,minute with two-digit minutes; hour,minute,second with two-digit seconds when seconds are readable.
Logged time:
1,26
